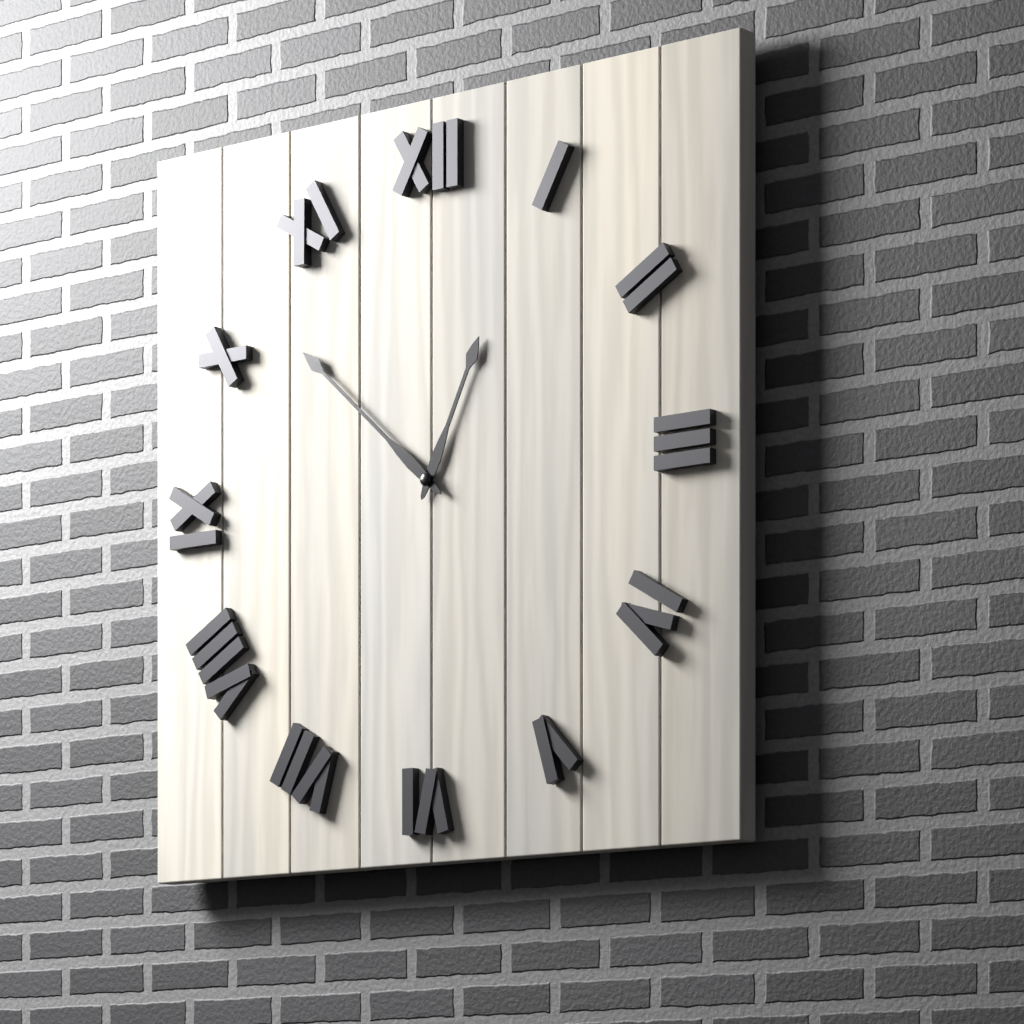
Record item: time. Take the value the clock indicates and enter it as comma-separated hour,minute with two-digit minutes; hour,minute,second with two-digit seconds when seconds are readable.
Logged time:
12,52
